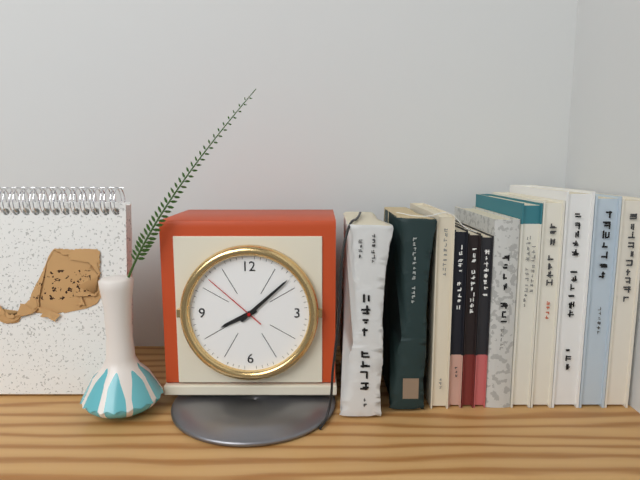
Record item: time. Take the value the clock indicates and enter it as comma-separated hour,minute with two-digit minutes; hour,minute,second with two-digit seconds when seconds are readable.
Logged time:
8,08,52
